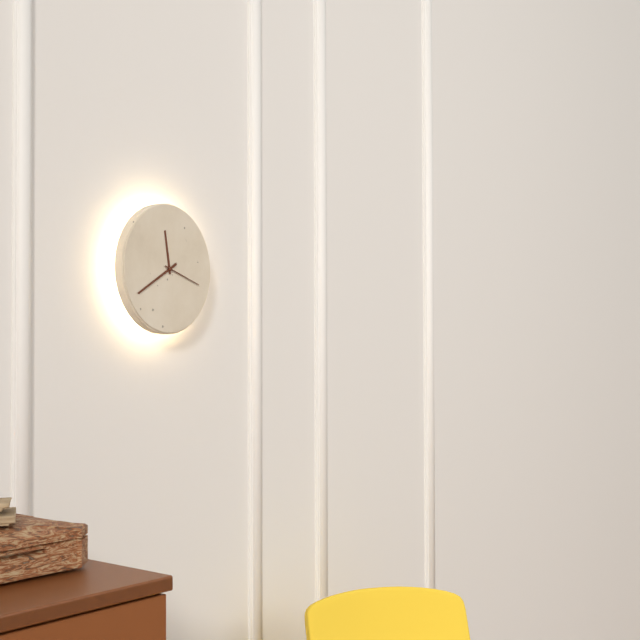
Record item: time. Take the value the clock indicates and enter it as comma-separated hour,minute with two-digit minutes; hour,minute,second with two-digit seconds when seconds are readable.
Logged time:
11,40
